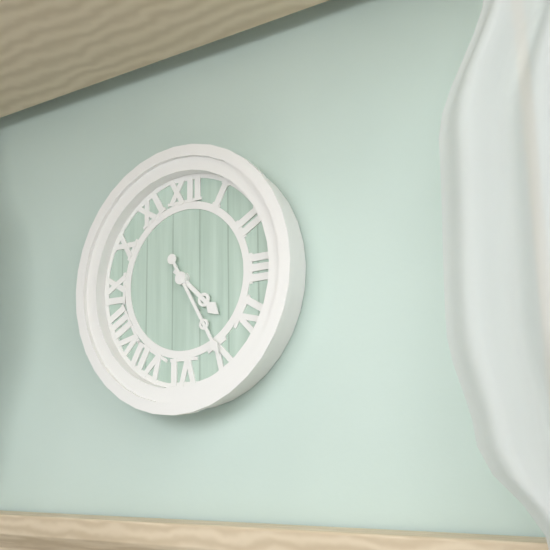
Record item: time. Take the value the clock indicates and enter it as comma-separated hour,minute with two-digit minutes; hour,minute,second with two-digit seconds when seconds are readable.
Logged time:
4,25
